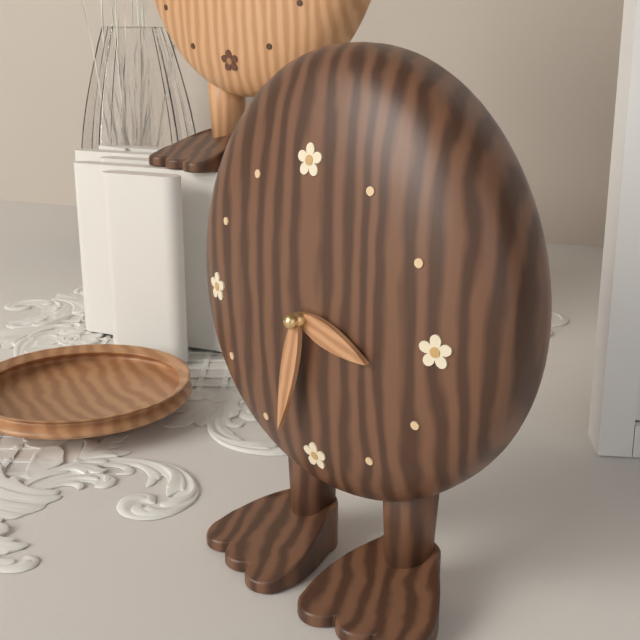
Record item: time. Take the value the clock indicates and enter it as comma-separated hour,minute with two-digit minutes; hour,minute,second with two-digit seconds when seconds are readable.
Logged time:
3,32
